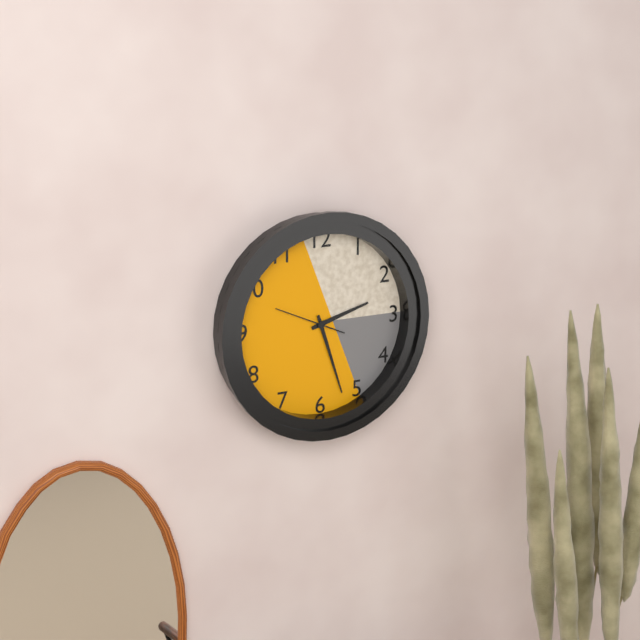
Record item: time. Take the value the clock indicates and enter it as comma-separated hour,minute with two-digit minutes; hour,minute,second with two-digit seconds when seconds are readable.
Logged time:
2,27,49
